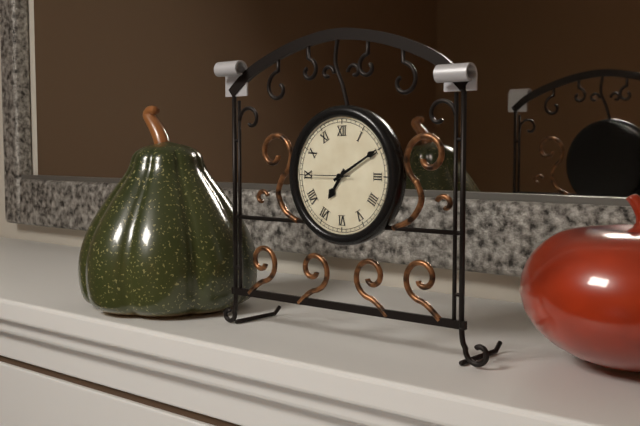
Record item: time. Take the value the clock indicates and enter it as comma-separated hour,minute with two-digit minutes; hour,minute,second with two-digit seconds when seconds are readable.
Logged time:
7,10,45
